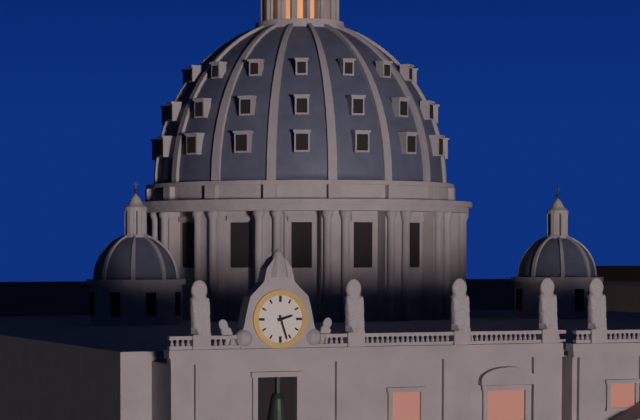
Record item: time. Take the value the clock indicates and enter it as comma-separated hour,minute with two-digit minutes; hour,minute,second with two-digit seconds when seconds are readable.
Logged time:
2,27
